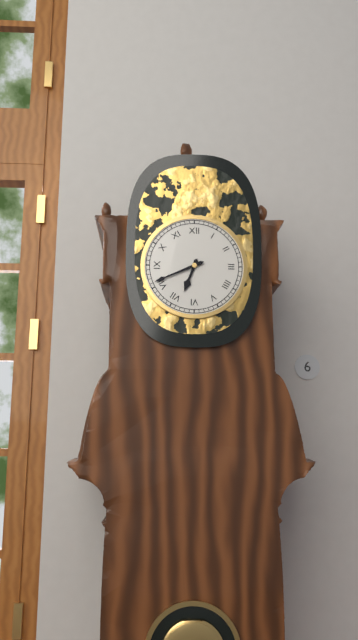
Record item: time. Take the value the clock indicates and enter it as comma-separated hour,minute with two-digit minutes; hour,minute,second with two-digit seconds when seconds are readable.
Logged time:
6,41
